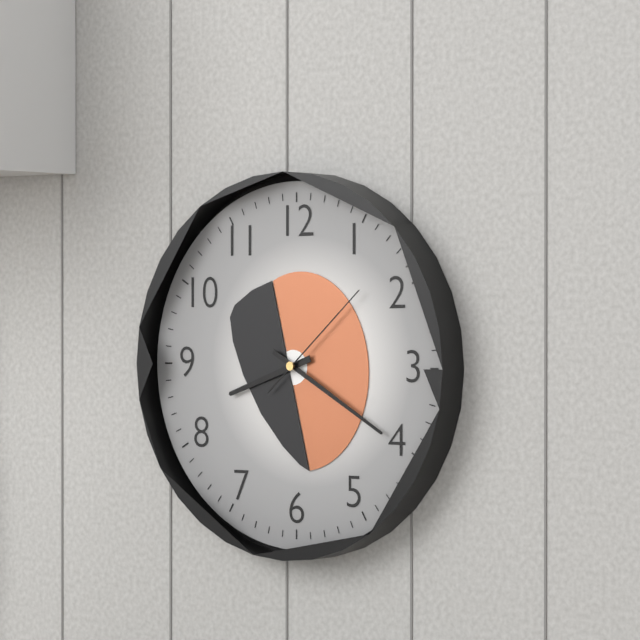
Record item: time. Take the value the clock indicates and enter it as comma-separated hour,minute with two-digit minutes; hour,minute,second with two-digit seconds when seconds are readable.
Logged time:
8,20,08
